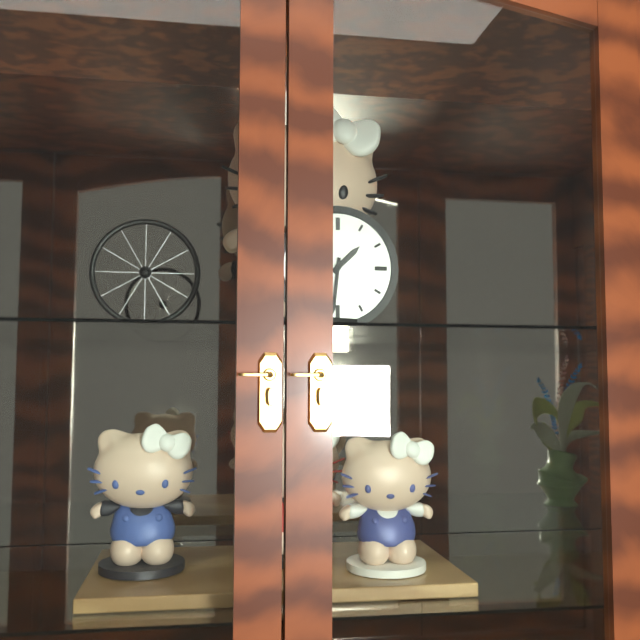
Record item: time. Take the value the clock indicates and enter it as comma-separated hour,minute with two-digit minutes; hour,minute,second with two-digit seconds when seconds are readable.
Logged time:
1,31
